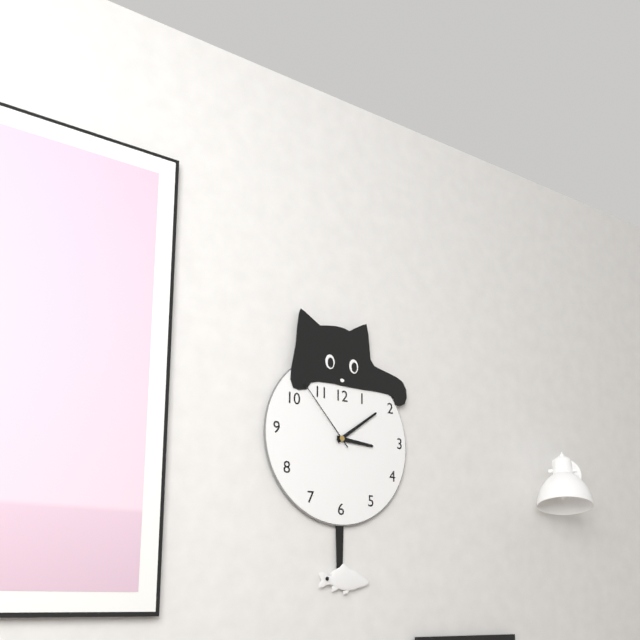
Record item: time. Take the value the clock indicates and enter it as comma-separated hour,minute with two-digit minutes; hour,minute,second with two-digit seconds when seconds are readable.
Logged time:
3,09,53
